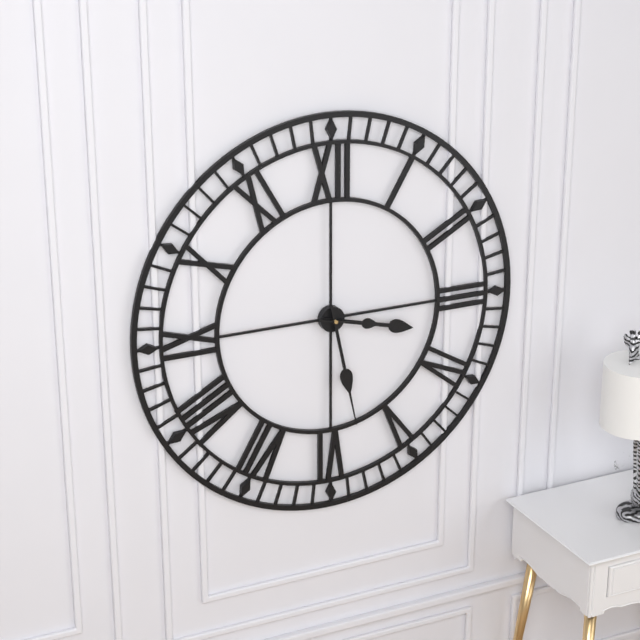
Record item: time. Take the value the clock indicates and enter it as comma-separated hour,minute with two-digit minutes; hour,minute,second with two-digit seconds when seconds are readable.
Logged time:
3,28,17
